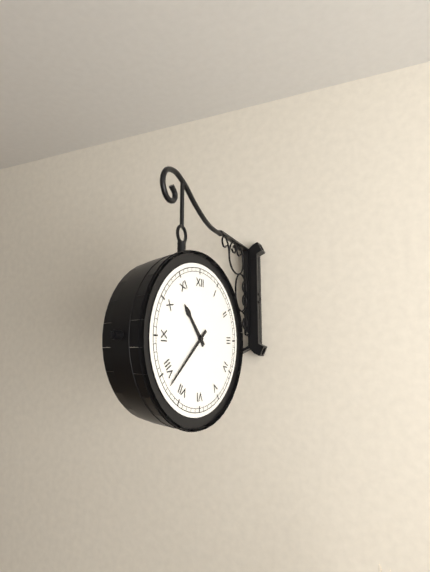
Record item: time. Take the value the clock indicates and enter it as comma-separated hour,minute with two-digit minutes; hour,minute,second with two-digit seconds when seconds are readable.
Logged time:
10,38
